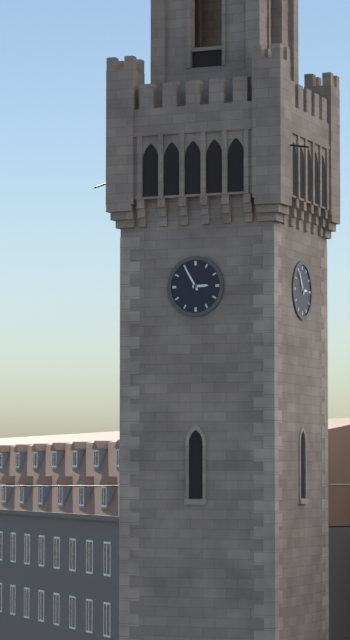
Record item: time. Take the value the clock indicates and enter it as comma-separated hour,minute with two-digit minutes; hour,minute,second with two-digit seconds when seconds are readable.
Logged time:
2,55
